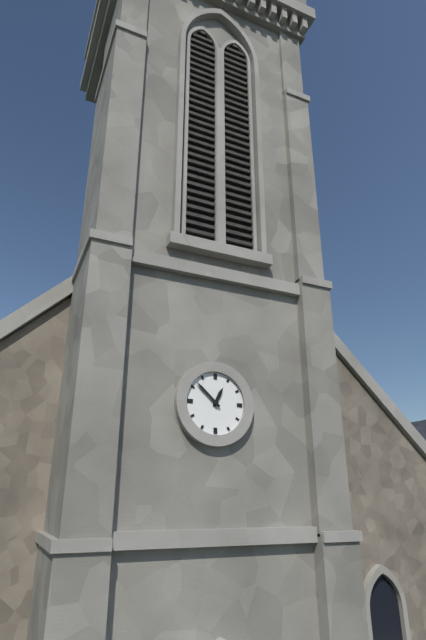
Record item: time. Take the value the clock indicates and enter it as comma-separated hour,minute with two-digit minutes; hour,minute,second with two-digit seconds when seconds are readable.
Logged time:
12,52
